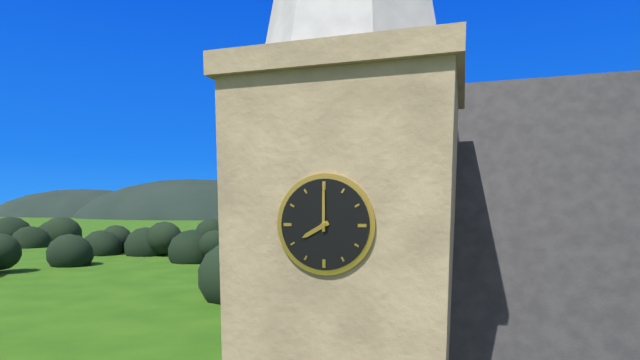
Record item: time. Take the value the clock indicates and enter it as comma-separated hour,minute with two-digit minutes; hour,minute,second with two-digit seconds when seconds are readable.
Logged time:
8,00
